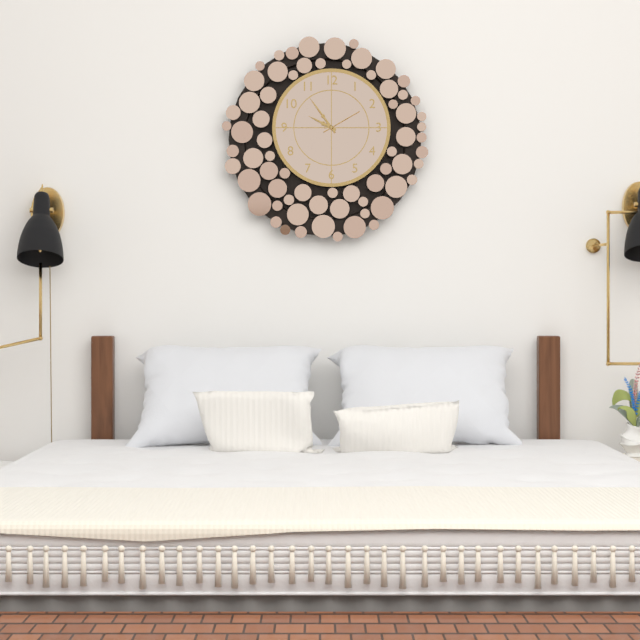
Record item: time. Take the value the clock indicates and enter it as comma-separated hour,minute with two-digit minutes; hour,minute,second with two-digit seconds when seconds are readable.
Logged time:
9,54
